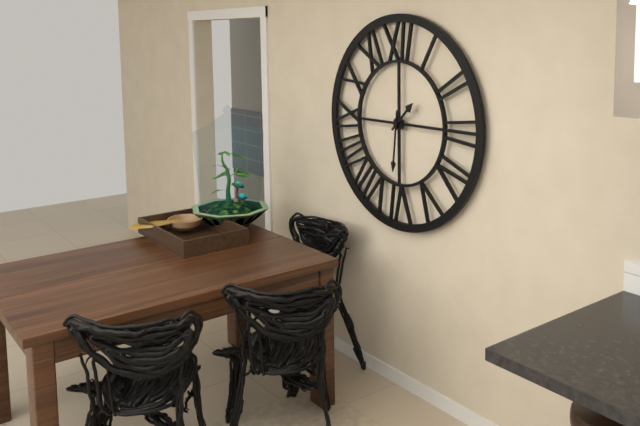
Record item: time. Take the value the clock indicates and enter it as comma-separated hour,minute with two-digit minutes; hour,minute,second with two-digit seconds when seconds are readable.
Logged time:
1,31
